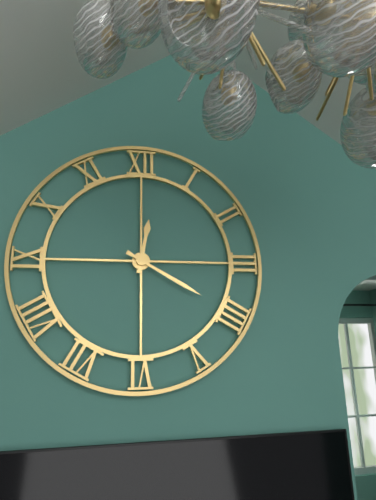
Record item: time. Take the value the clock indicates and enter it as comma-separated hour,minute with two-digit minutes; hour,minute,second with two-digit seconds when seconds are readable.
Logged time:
12,20
